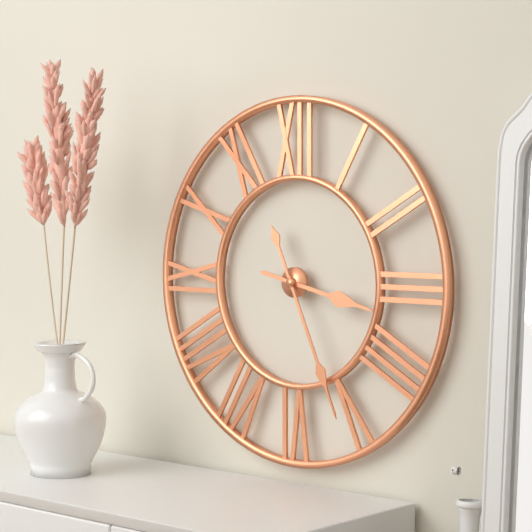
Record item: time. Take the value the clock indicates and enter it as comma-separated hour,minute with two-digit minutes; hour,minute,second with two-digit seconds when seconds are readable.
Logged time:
3,26
